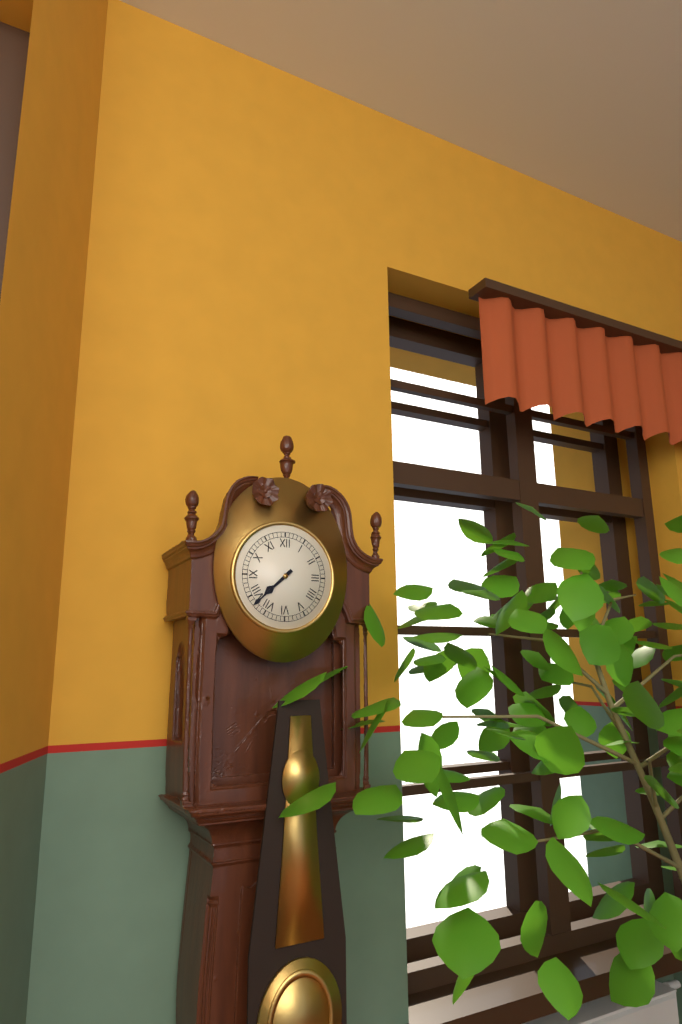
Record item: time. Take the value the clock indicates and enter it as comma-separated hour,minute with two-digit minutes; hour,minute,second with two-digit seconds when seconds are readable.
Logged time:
7,38
